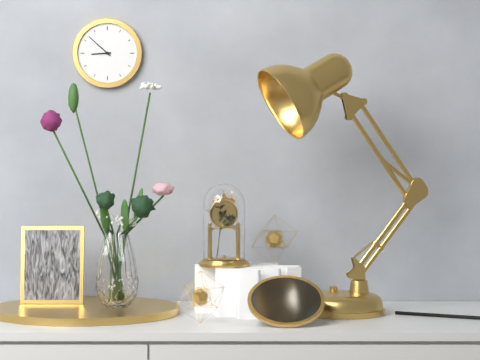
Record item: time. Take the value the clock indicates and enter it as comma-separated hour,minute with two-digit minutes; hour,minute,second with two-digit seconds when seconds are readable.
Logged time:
8,52
